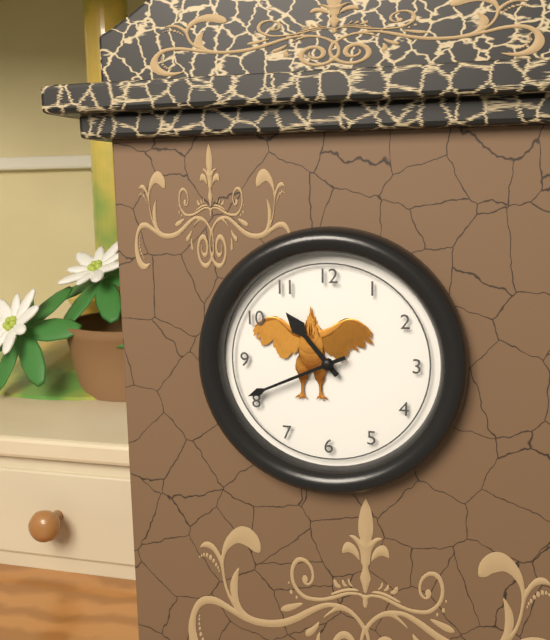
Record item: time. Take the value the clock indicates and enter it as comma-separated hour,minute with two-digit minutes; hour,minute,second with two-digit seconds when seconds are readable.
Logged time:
10,41
